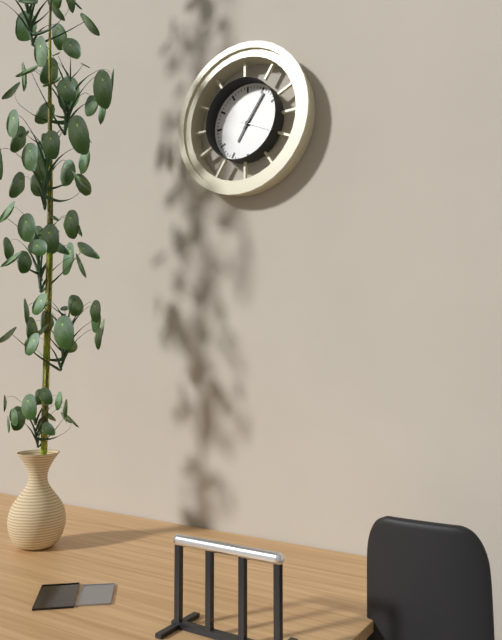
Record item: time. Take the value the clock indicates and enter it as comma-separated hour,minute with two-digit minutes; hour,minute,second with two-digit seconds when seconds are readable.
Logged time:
7,06
